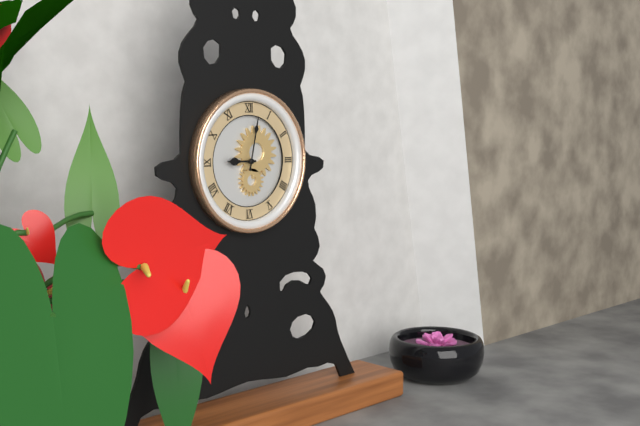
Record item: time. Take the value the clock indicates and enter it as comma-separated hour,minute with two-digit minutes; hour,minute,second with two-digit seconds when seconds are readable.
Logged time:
9,02
